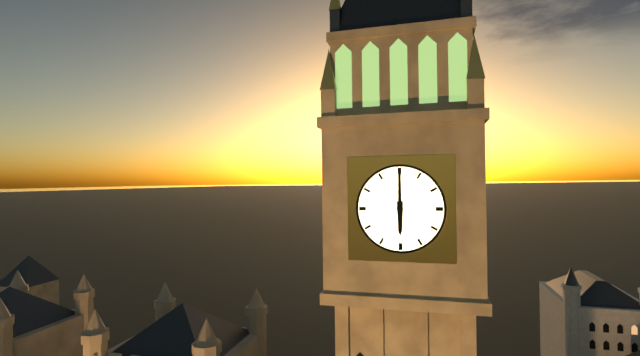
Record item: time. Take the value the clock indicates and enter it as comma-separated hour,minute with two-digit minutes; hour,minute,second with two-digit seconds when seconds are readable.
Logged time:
6,00
